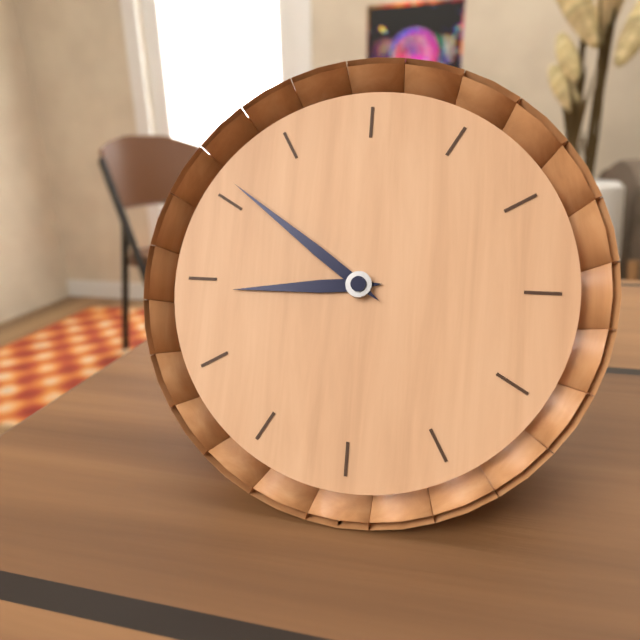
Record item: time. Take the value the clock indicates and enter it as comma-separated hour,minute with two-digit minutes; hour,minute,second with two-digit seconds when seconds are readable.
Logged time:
8,51
